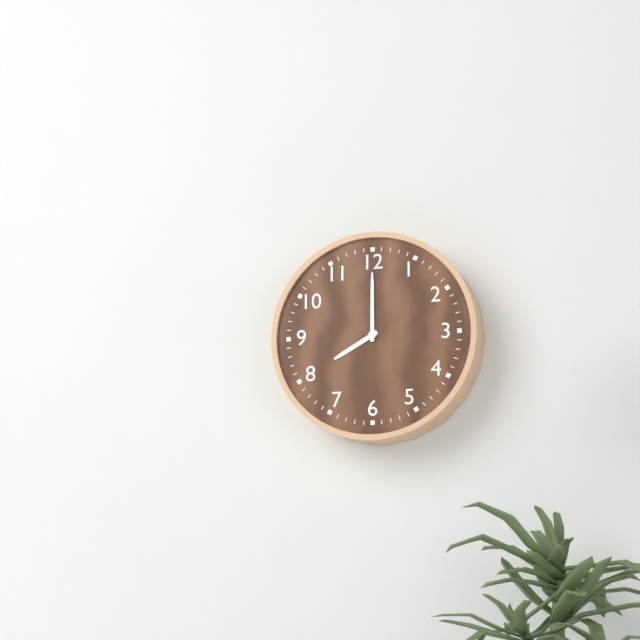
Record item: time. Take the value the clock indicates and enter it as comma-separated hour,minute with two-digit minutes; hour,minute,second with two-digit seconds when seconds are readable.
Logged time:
8,00
